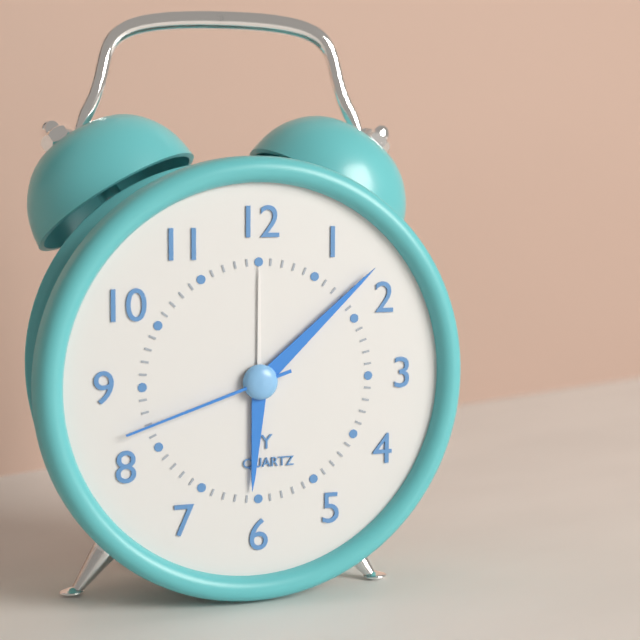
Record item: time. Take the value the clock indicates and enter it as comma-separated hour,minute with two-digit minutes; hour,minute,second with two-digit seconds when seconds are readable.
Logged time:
6,08,42
